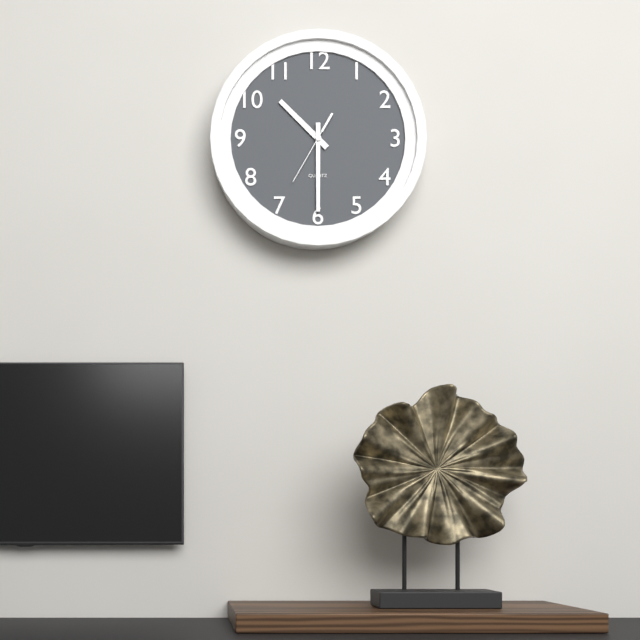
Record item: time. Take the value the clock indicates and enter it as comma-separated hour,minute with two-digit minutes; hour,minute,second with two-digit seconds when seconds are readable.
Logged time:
10,30,35
